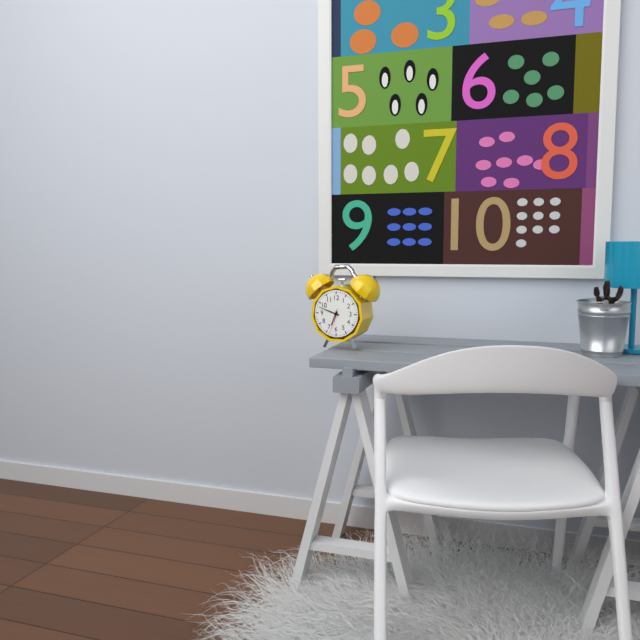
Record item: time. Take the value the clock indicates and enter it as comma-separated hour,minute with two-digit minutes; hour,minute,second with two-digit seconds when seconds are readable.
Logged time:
6,48
